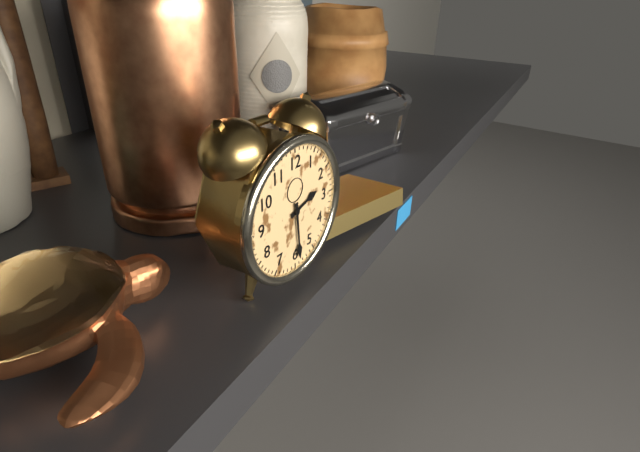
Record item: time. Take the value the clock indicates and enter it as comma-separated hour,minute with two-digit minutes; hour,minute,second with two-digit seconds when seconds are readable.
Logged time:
2,29
